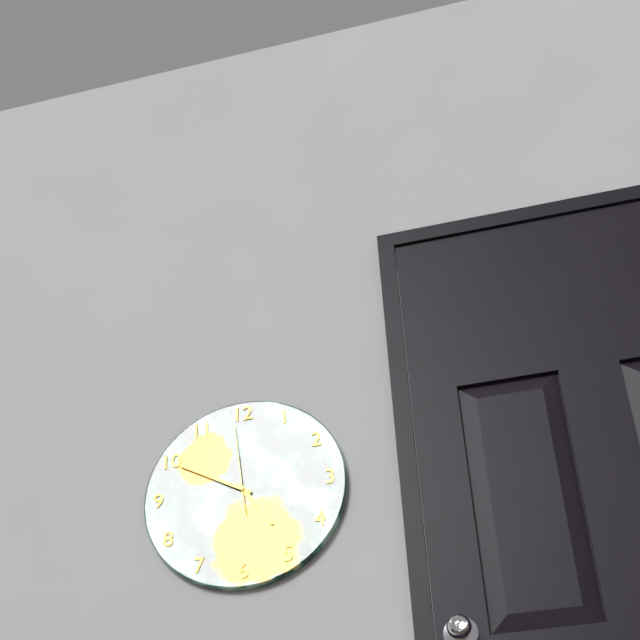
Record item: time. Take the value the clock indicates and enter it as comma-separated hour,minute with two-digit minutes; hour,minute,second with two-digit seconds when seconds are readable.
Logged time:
4,50,59
